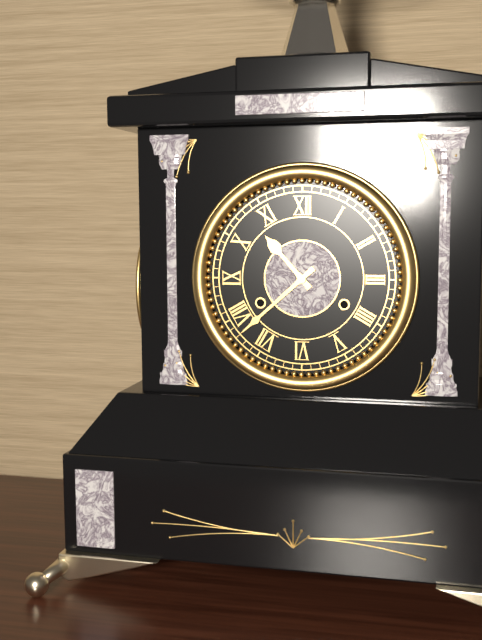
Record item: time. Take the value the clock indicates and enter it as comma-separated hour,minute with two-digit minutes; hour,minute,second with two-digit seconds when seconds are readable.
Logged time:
10,38
